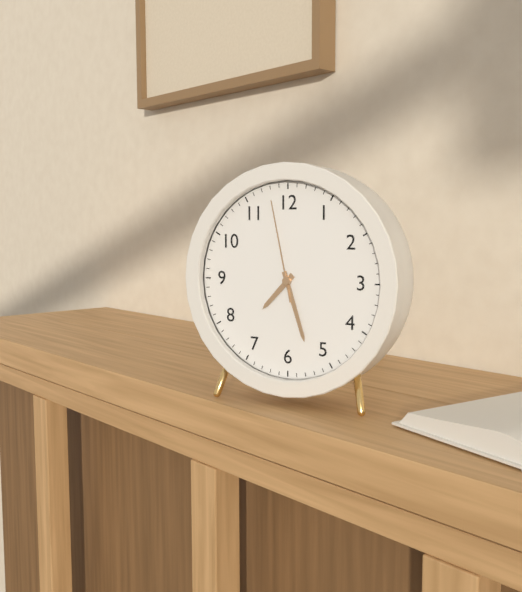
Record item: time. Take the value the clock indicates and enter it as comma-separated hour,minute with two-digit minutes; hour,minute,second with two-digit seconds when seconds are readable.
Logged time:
7,27,58
